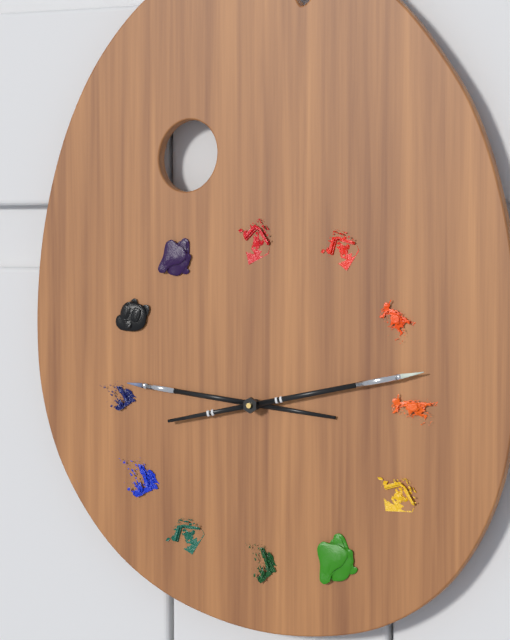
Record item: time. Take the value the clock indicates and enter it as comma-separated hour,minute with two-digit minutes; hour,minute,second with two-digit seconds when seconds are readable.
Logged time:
9,13
